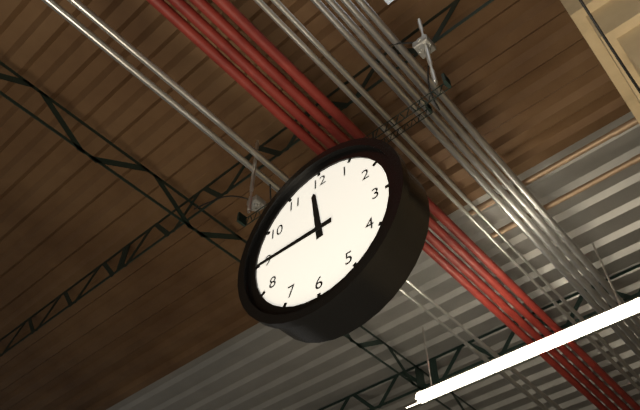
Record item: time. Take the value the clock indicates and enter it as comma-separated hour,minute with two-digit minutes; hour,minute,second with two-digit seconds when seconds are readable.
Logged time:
11,45
